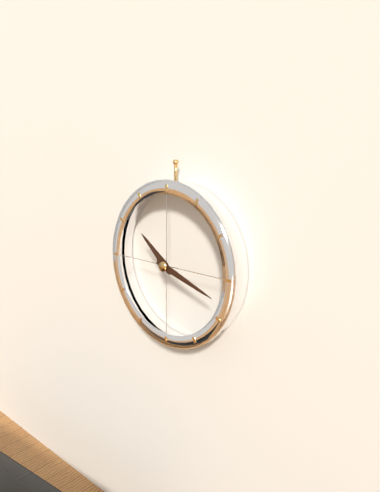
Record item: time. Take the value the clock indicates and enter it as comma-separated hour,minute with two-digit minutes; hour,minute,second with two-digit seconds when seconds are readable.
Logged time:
10,18
